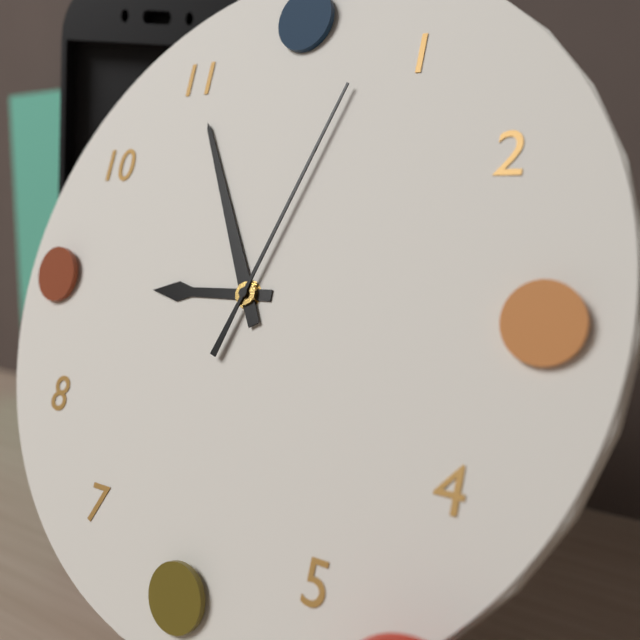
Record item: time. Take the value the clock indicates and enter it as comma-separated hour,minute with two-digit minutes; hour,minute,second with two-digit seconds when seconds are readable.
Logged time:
8,55,03
